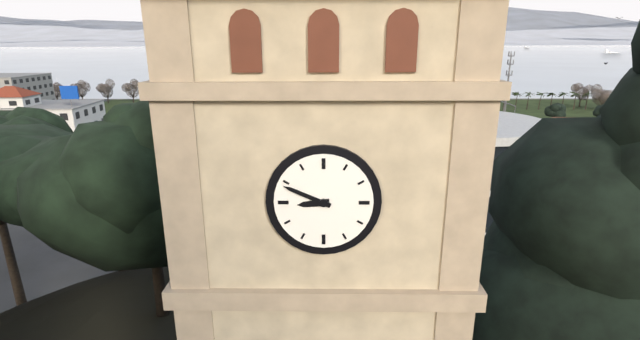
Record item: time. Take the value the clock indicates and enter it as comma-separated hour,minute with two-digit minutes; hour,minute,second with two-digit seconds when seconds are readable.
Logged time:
8,49
